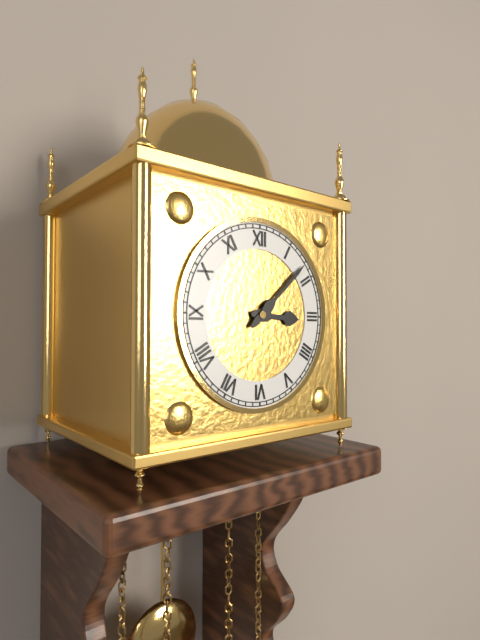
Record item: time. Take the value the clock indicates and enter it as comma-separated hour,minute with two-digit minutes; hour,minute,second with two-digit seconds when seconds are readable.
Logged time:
3,08
